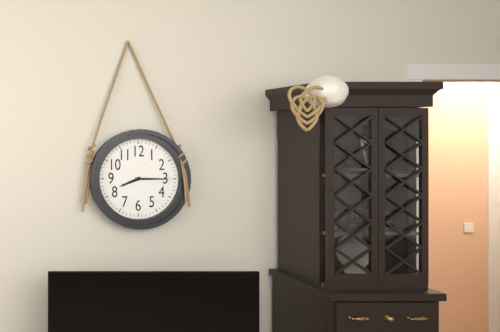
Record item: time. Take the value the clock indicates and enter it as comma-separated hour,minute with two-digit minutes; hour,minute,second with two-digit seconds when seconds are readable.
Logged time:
8,15
